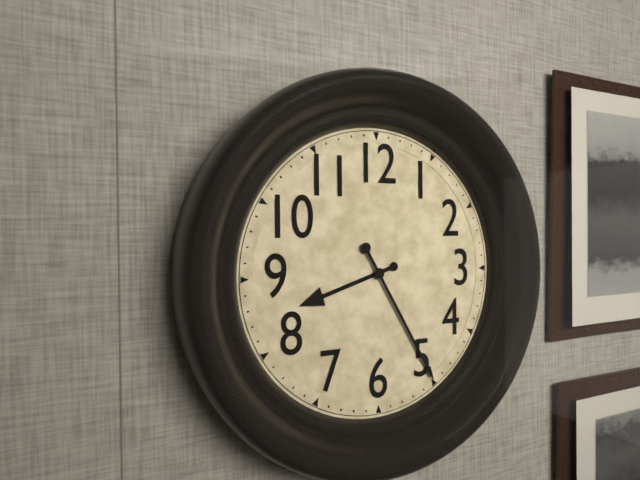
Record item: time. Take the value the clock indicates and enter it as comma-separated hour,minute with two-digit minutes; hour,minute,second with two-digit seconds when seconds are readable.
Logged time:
8,25
